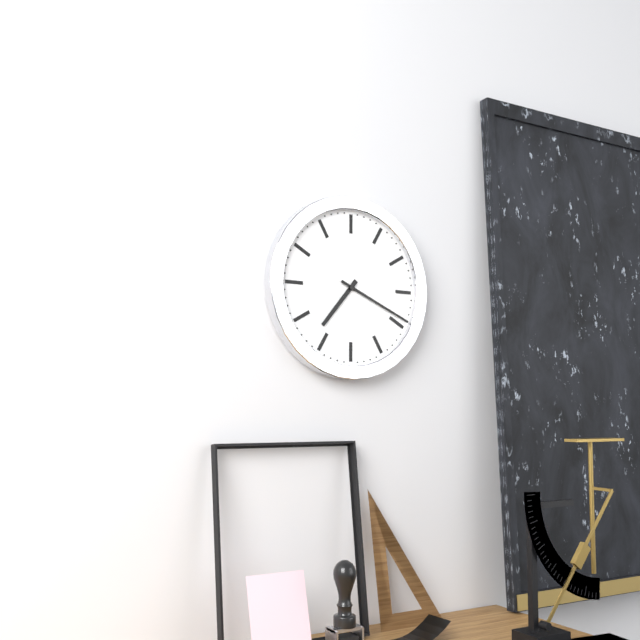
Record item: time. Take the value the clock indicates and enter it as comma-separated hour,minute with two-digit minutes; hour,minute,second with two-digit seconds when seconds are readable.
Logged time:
7,19
